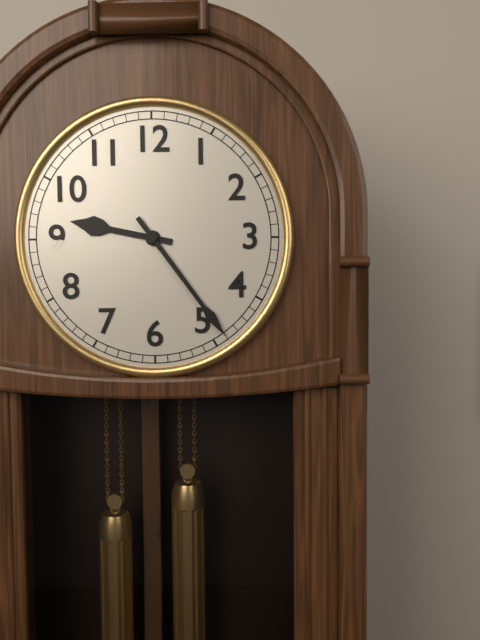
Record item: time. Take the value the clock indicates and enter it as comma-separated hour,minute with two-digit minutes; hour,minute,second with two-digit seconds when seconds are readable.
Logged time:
9,24
